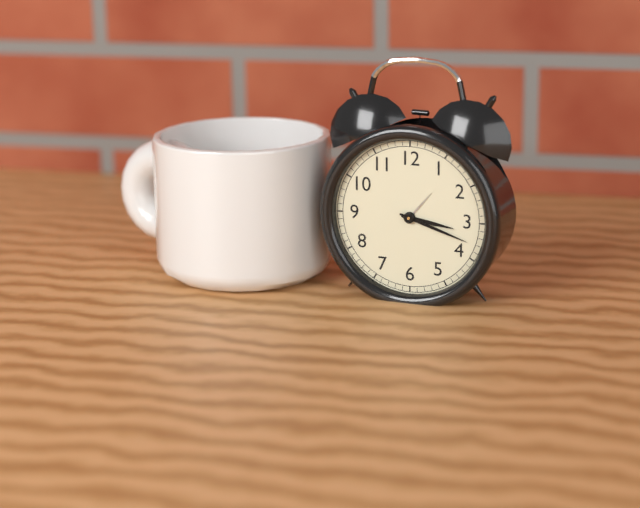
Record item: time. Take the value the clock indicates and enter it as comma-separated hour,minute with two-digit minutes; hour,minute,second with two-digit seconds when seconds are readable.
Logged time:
3,18
